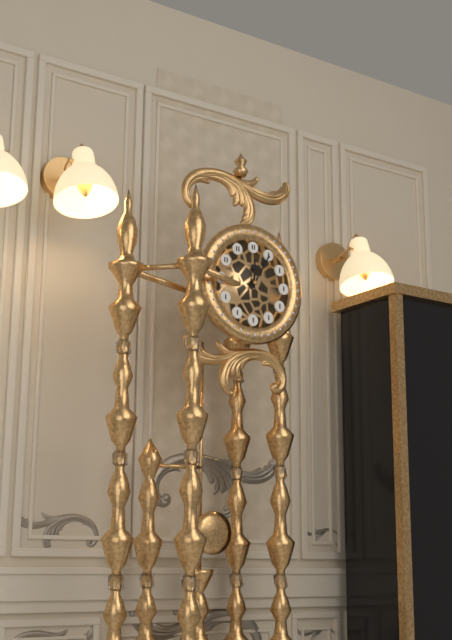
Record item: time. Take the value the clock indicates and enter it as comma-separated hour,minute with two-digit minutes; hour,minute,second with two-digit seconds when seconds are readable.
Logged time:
12,05
